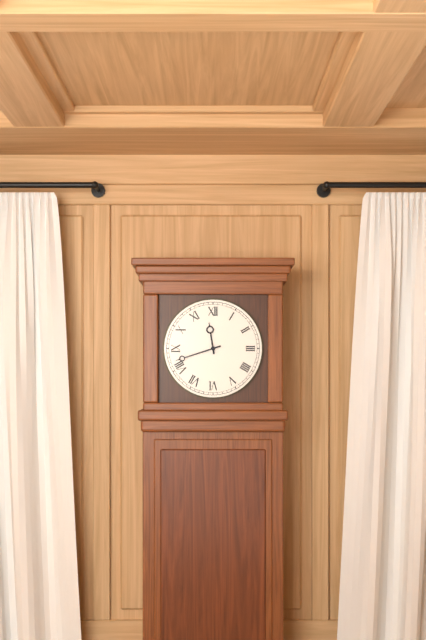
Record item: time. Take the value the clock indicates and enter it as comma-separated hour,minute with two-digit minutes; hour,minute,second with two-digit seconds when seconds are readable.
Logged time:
11,42
